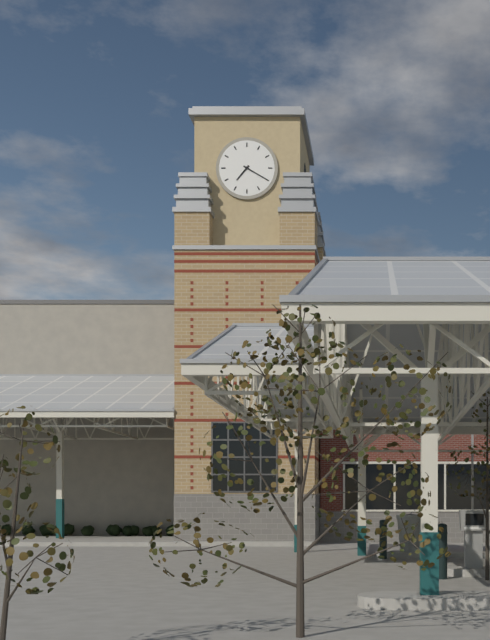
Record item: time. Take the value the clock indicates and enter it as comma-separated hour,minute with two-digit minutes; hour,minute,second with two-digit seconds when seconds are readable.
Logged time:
7,20
